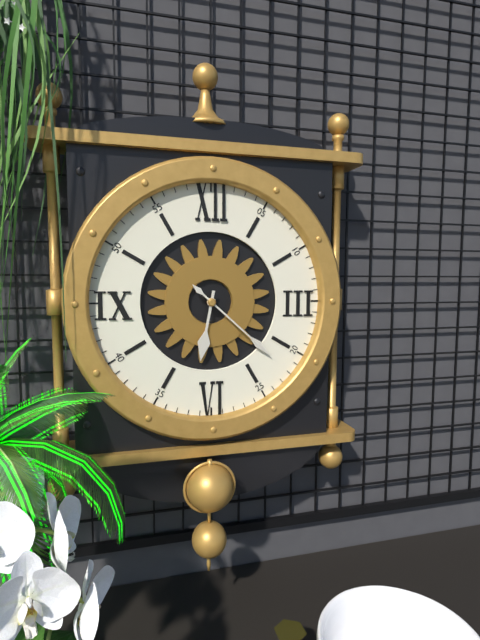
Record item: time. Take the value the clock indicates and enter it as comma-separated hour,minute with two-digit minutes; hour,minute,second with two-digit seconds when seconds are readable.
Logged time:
6,22
